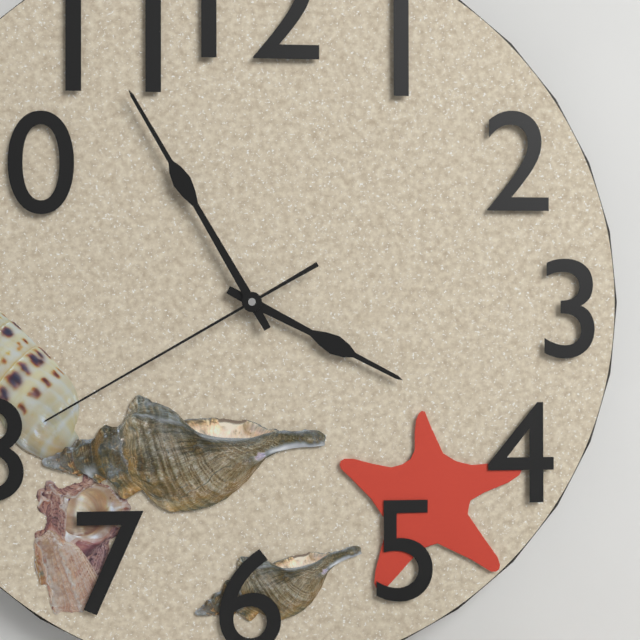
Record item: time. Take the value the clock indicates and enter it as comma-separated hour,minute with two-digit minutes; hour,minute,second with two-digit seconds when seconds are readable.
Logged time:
3,55,40
